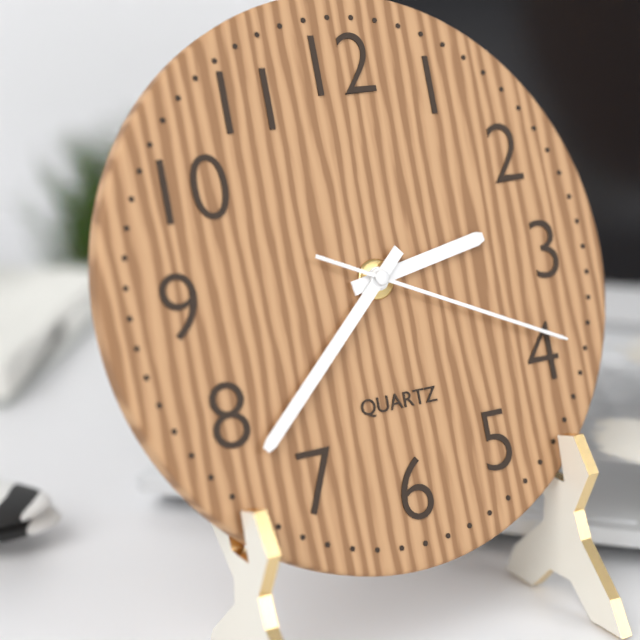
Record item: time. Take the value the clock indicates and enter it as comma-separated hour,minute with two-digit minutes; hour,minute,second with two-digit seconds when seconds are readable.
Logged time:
2,38,19
